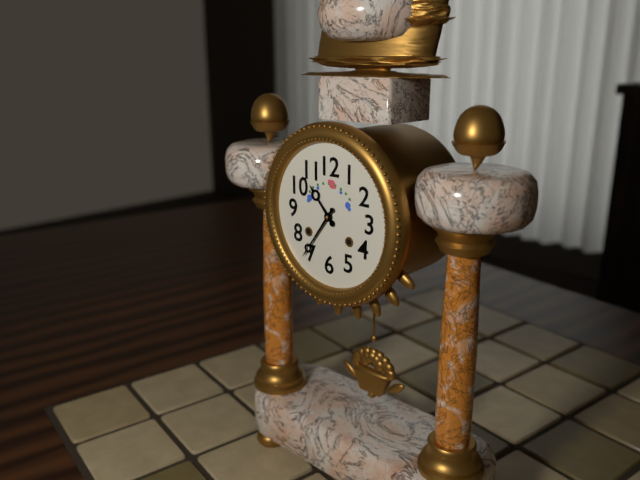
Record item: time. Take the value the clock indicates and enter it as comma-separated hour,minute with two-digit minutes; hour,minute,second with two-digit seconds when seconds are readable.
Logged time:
10,36
